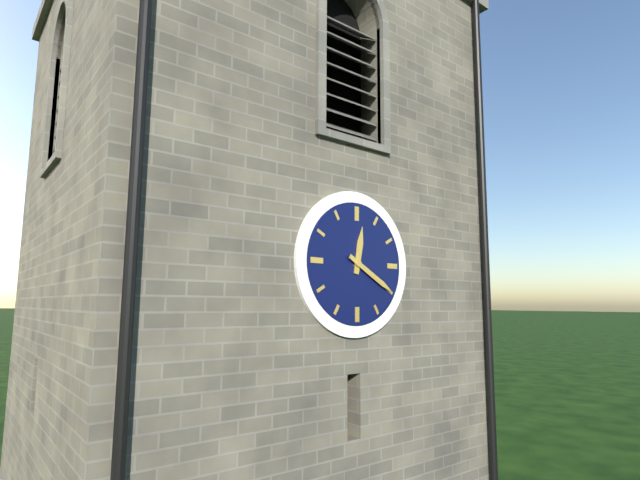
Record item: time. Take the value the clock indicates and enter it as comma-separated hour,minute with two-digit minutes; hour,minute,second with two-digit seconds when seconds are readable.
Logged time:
12,20
